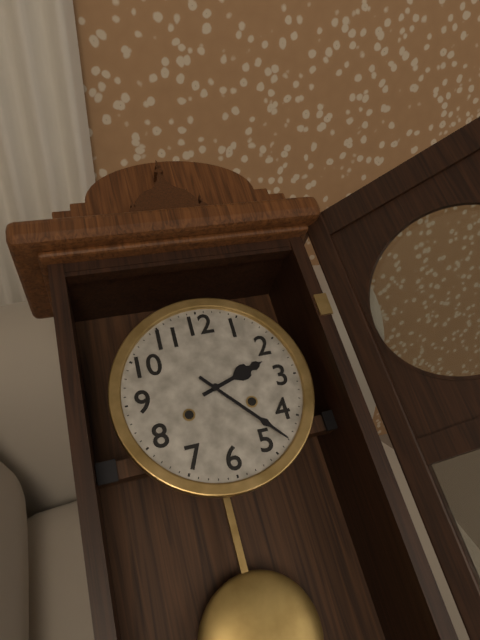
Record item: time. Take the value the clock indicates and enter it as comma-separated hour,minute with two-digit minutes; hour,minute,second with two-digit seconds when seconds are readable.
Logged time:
2,23
